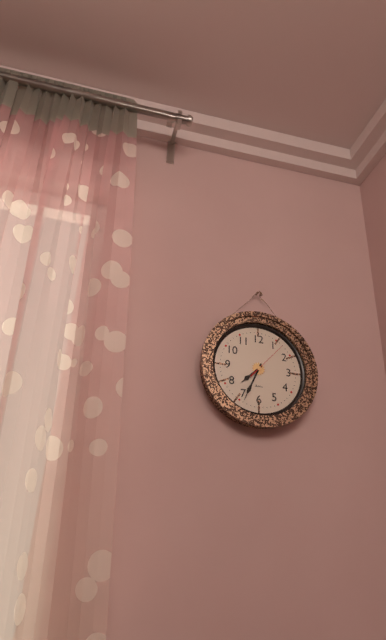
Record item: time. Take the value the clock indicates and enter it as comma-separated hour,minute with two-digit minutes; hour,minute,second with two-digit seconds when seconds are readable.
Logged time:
7,34
